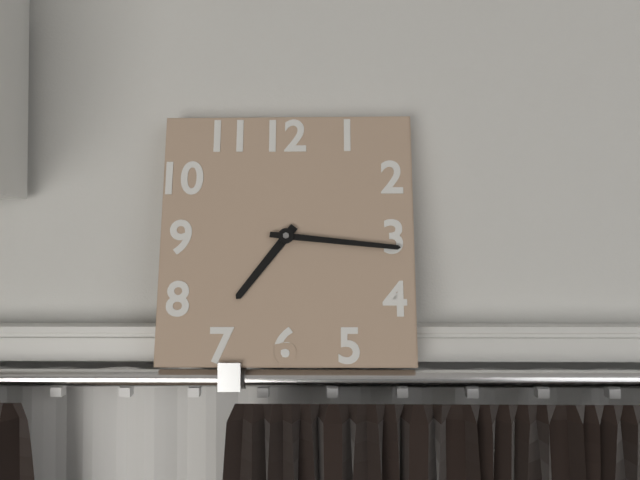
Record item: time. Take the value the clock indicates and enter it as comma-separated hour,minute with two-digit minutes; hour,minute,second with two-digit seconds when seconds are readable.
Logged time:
7,16
